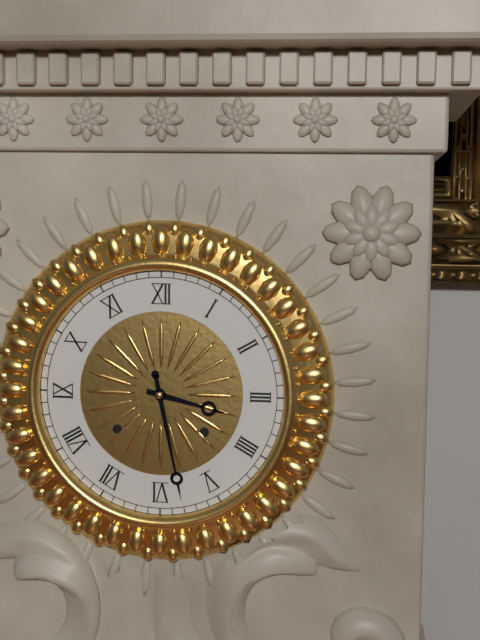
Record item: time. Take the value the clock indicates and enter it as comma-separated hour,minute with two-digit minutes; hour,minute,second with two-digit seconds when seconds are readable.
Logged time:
3,28
